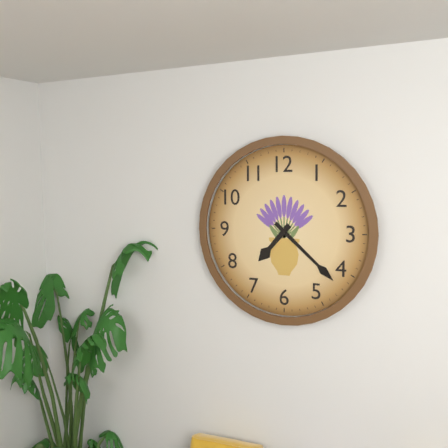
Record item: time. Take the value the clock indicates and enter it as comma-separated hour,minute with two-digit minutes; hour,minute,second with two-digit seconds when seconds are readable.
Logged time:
7,22
